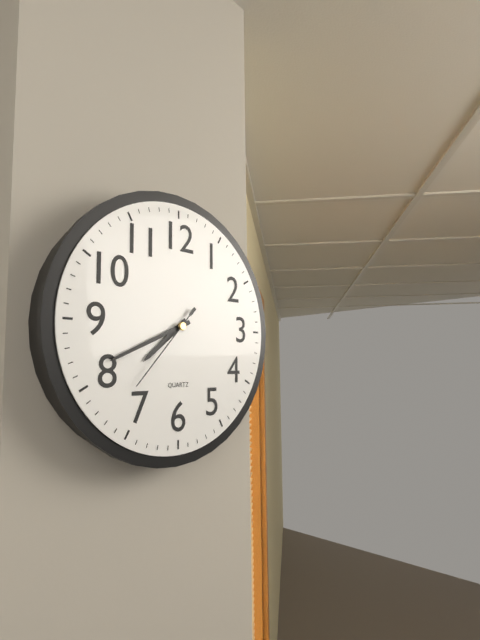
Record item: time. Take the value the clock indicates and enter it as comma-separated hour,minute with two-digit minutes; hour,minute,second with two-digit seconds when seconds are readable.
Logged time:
7,41,37
